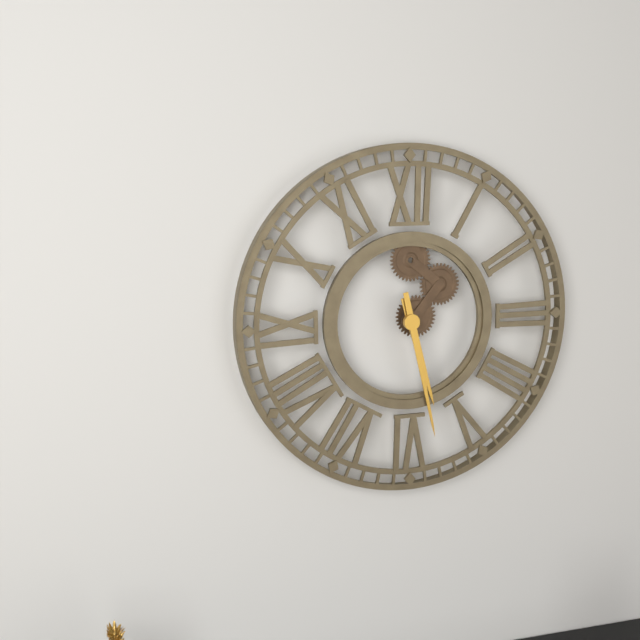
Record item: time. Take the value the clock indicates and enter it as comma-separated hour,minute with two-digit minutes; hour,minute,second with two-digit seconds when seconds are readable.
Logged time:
5,28
